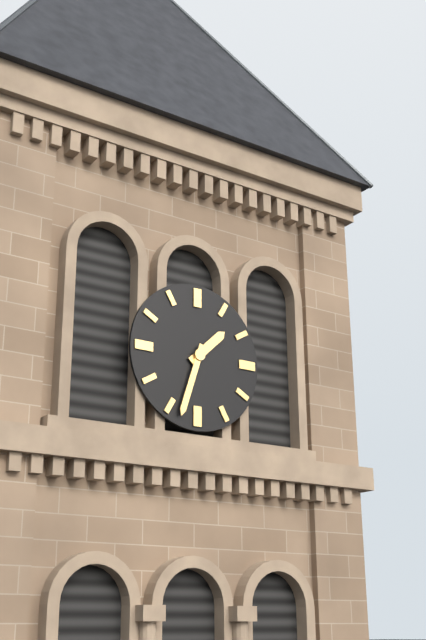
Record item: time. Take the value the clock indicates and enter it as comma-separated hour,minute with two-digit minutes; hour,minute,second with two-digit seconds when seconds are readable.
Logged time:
1,33
